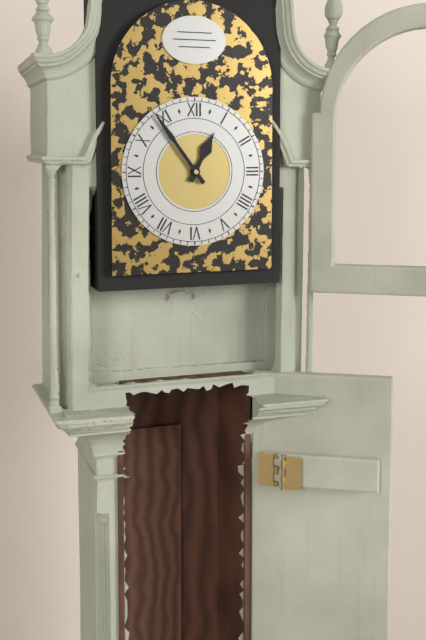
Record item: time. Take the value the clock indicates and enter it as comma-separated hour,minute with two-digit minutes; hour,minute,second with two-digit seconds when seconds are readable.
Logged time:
12,54
